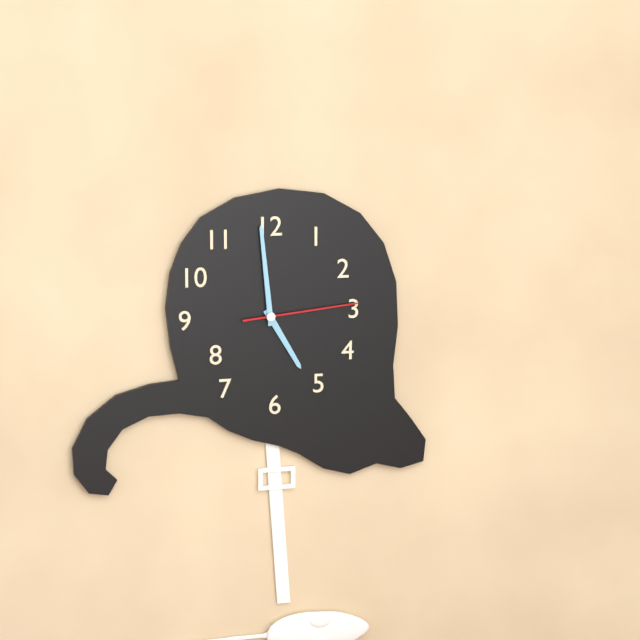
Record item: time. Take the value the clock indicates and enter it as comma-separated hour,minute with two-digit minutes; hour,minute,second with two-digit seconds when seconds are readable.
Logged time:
4,59,14
